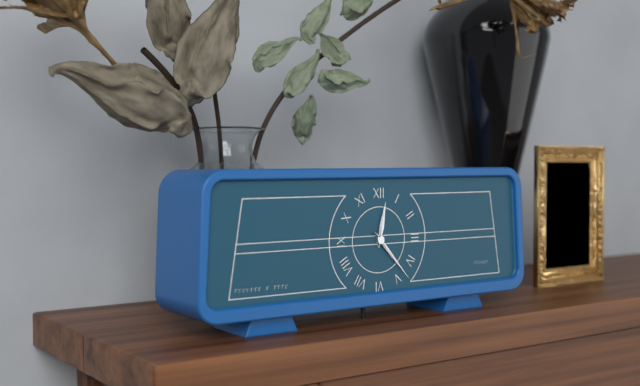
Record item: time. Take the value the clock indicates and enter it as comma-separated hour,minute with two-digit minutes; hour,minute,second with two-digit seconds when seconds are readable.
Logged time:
12,23
